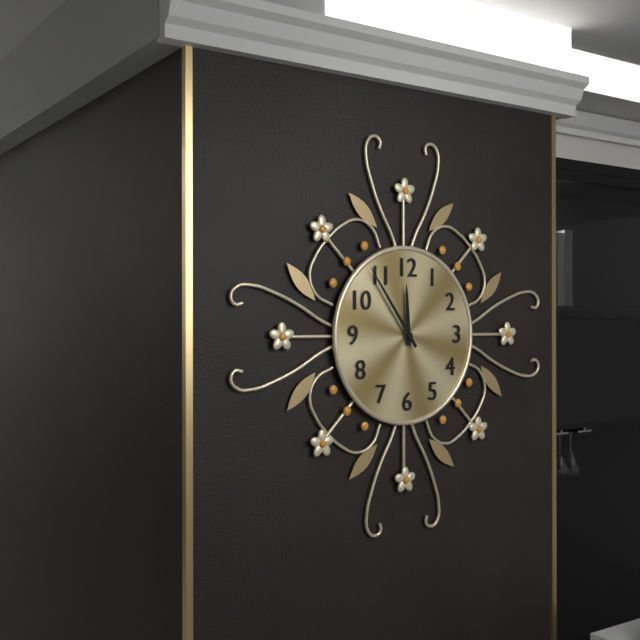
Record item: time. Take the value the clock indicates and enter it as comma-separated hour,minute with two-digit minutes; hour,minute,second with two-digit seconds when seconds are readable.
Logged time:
11,54
